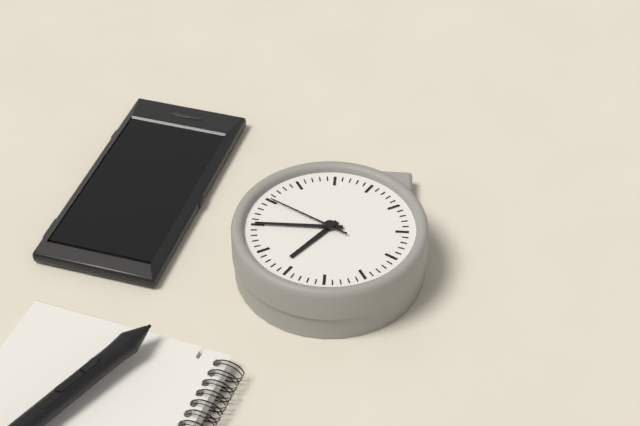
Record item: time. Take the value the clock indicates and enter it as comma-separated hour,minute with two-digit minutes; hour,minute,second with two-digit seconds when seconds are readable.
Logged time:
1,15,20
